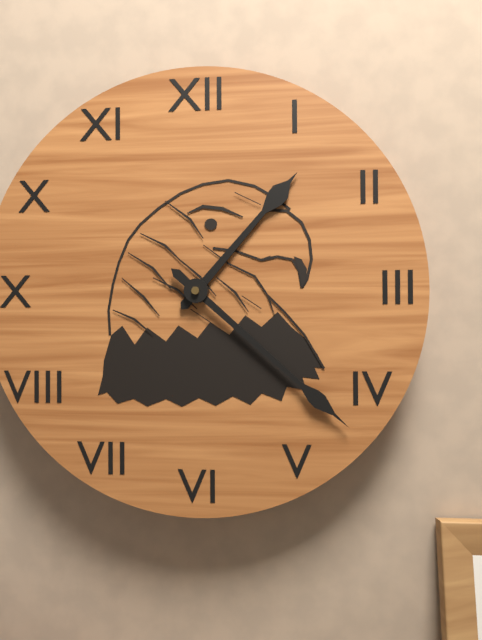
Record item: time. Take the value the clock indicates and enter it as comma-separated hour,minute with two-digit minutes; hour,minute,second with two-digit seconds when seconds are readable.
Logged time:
1,22
